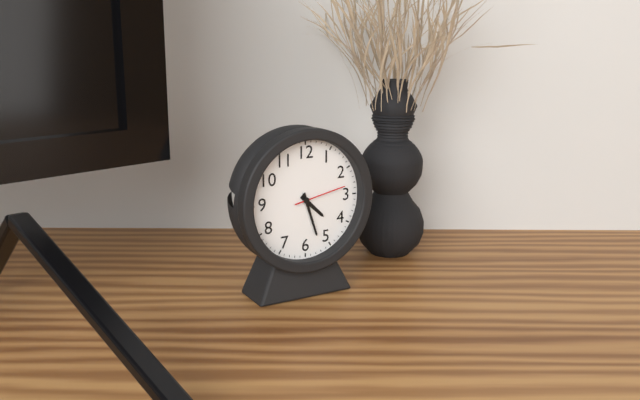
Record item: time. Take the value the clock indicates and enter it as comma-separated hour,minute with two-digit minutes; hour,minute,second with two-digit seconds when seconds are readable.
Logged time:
4,27,13
